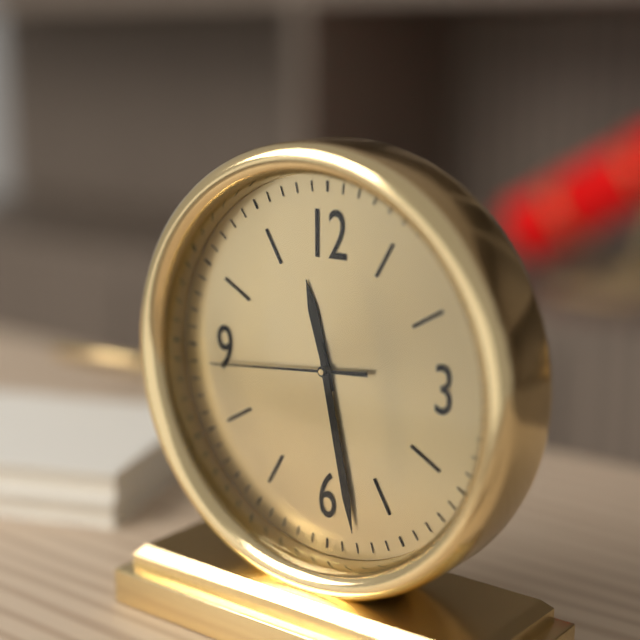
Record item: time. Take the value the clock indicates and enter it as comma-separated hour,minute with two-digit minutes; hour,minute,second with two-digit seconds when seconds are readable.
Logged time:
11,28,44
